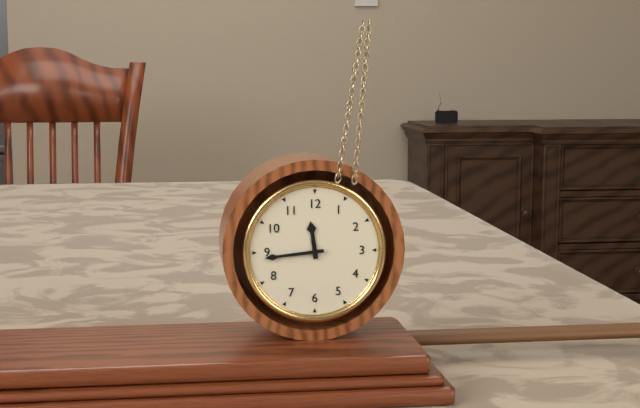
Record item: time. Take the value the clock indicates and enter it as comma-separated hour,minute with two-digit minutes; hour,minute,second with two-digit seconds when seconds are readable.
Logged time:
11,44
